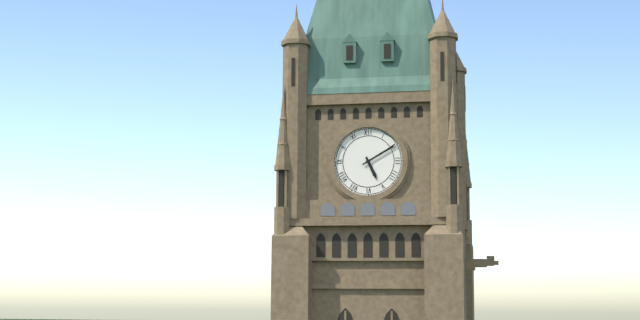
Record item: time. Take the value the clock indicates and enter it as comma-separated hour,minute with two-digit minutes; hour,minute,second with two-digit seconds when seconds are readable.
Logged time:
5,10
